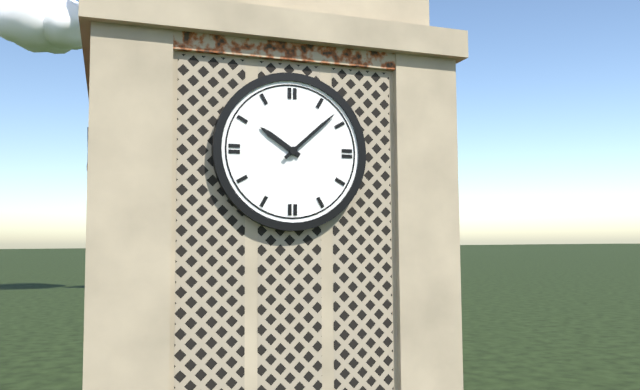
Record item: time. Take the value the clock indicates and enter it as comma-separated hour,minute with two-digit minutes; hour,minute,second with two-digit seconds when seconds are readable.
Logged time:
10,08
